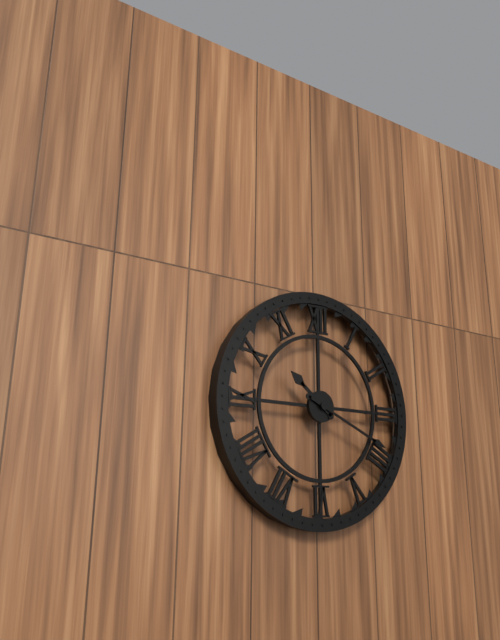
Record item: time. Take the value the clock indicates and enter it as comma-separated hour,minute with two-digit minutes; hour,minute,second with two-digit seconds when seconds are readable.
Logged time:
10,19
